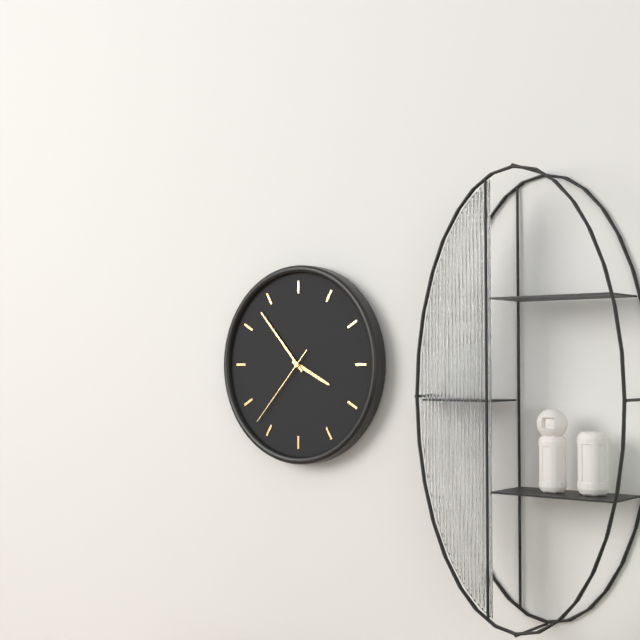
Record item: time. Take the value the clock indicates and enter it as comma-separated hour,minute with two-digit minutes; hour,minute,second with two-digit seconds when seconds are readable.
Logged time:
3,53,37
